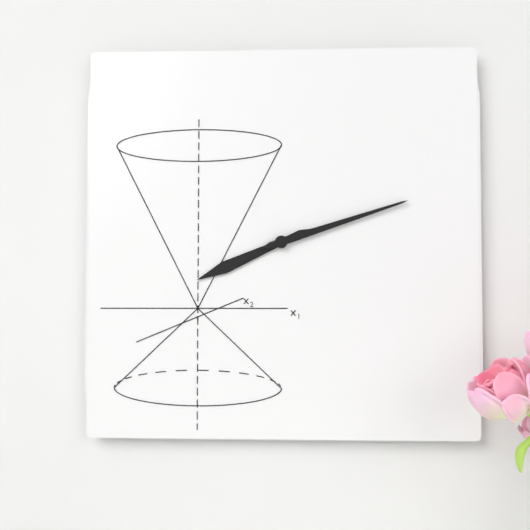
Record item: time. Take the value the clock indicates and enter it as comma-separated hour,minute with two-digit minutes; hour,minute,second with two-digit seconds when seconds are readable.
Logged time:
8,12
